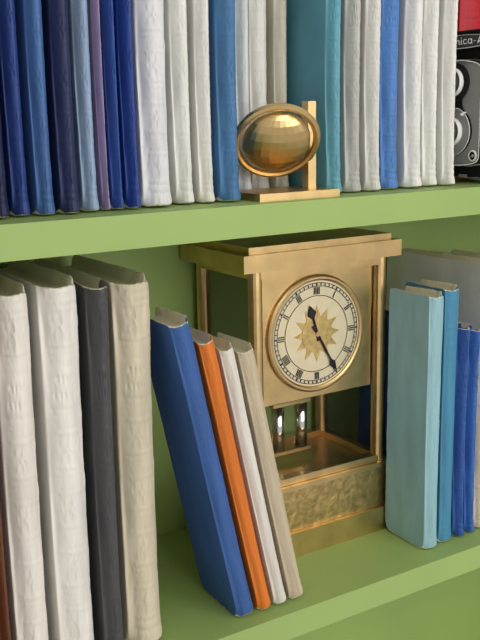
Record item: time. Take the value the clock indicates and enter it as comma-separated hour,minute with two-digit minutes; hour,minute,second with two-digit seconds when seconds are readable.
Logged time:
11,25
